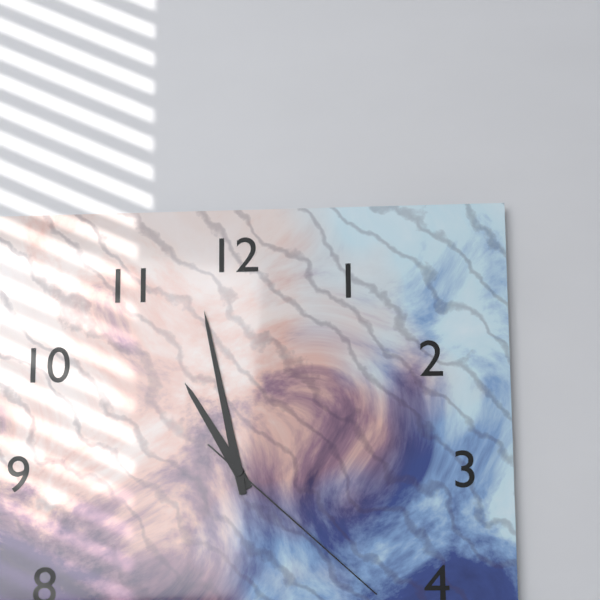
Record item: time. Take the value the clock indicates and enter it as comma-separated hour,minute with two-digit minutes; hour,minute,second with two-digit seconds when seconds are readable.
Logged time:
10,58,22
